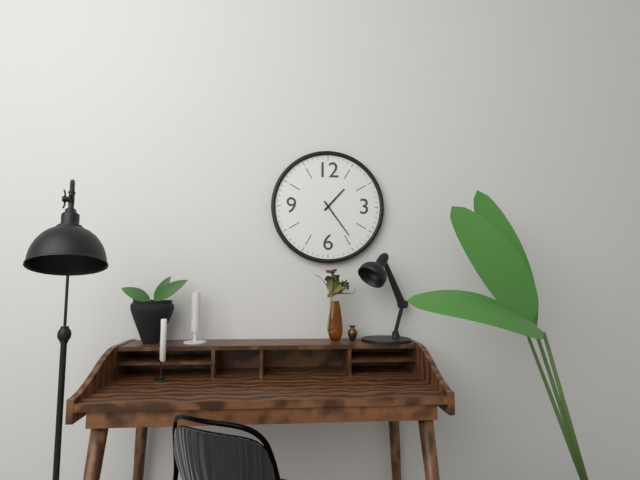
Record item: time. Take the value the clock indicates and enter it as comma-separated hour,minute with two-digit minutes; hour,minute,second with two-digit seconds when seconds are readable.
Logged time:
1,24
